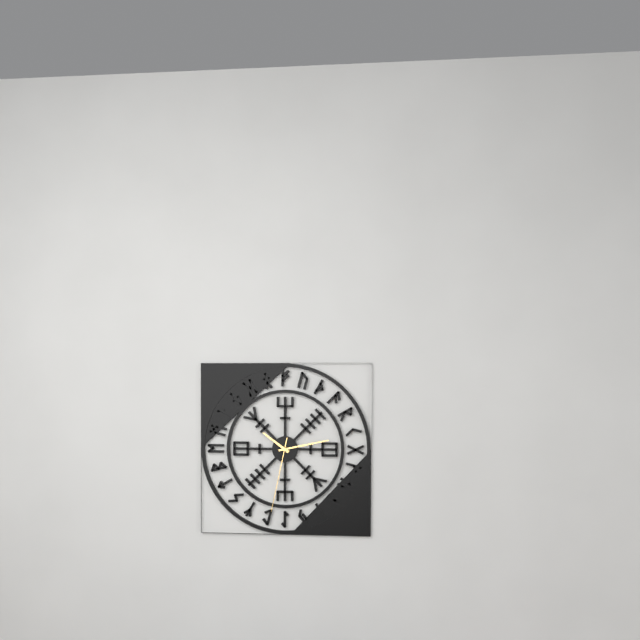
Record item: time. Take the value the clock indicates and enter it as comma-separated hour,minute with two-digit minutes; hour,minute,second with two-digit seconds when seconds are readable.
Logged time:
10,13,32
